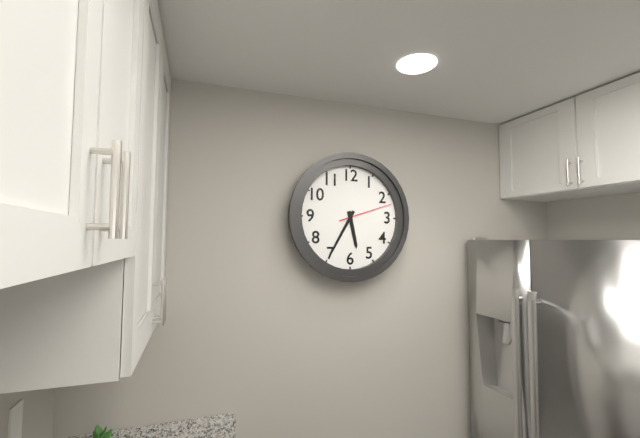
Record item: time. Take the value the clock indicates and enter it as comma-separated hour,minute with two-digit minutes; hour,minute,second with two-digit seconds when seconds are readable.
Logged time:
5,35,12
